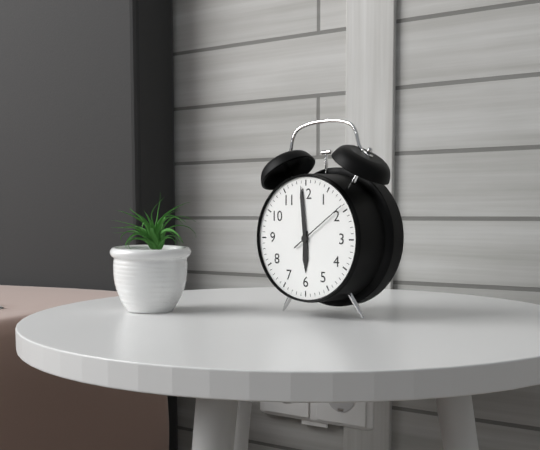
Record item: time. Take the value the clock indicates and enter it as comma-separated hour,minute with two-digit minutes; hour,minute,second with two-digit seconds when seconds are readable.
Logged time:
5,59,09
